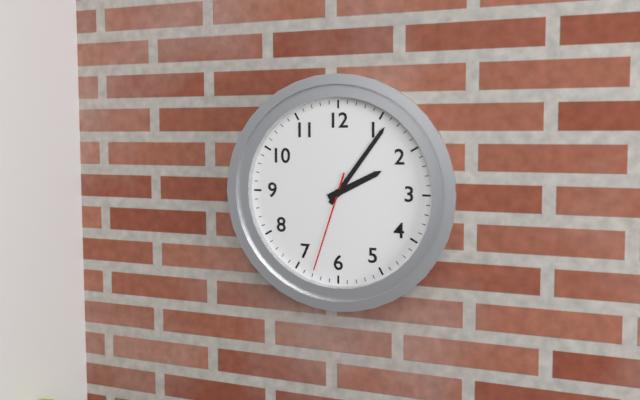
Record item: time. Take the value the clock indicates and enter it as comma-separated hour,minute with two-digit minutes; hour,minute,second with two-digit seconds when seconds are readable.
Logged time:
2,06,33
